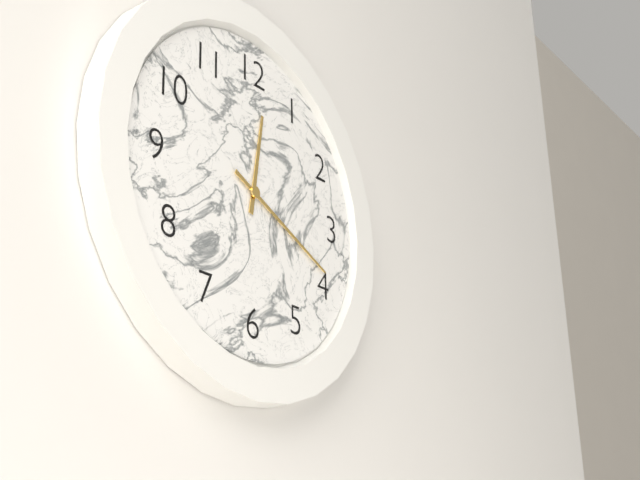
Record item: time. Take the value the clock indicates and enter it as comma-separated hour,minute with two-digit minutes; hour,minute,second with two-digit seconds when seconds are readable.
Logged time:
12,19
